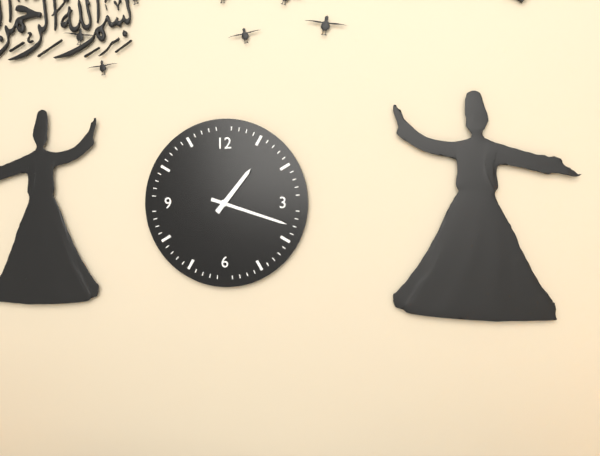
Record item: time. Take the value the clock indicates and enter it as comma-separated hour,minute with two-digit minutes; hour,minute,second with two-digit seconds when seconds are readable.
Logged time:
1,18
